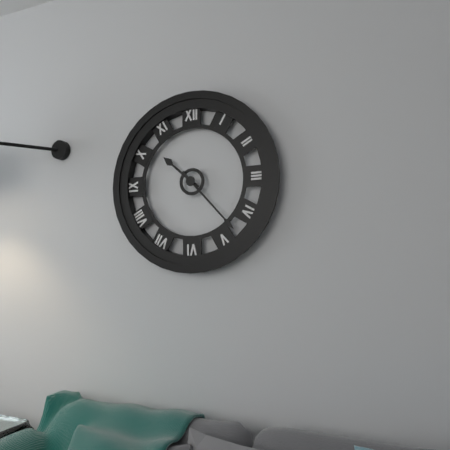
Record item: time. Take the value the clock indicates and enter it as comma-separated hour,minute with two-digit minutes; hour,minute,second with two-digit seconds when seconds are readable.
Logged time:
10,23
